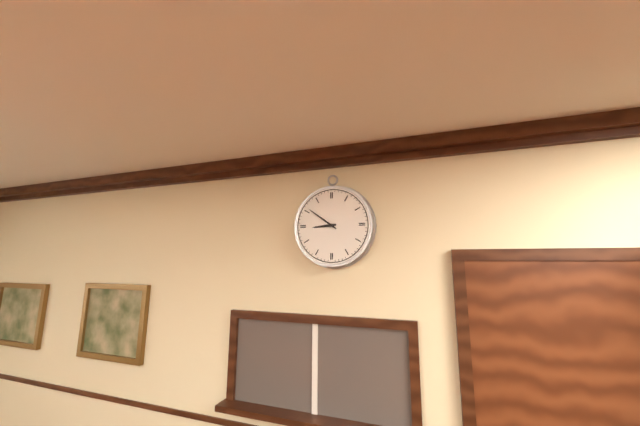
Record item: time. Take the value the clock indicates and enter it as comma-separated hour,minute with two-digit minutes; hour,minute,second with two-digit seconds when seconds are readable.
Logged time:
8,51
